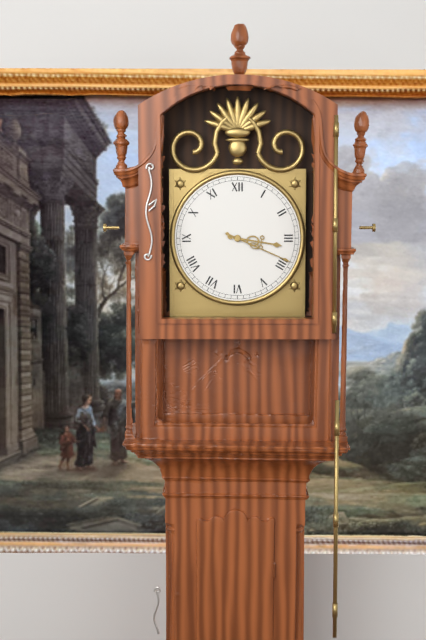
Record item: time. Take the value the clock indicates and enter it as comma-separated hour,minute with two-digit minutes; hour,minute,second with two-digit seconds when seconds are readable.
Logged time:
3,19
